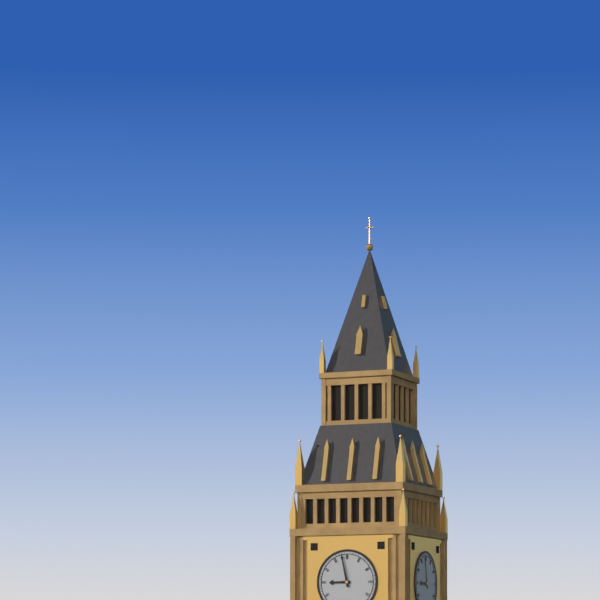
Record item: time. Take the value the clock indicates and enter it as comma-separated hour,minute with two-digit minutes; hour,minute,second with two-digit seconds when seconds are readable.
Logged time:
8,58
